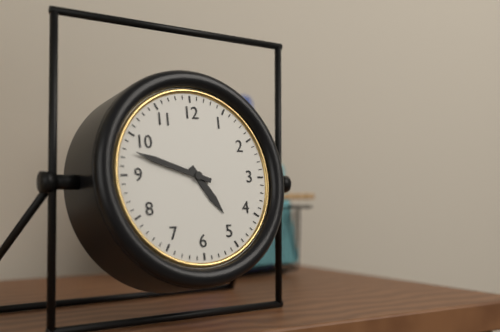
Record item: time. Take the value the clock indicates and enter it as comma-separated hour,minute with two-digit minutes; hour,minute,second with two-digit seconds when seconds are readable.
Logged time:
4,48
